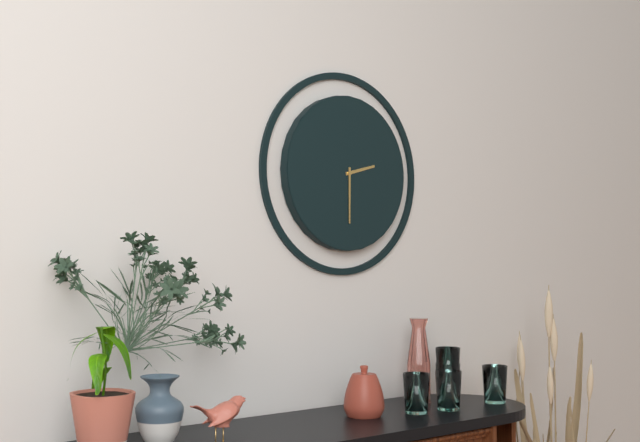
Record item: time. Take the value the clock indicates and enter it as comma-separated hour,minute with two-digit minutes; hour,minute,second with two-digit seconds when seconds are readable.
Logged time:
2,30
